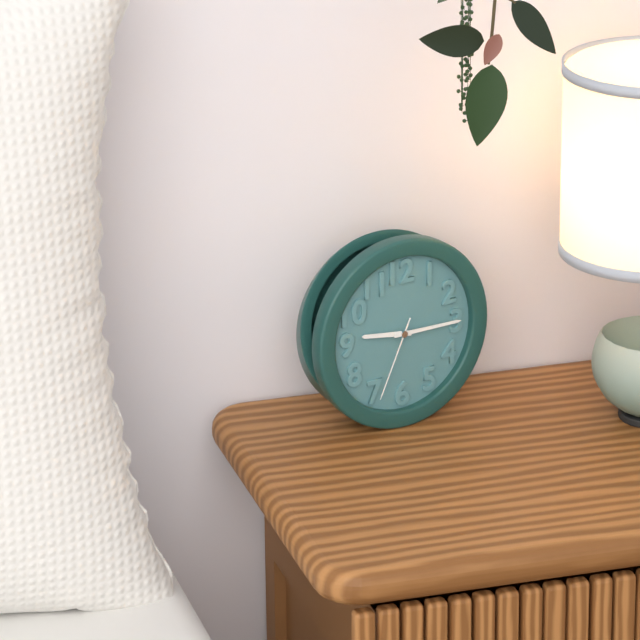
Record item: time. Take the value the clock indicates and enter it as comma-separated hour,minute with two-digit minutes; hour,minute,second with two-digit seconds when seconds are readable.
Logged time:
9,15,34
